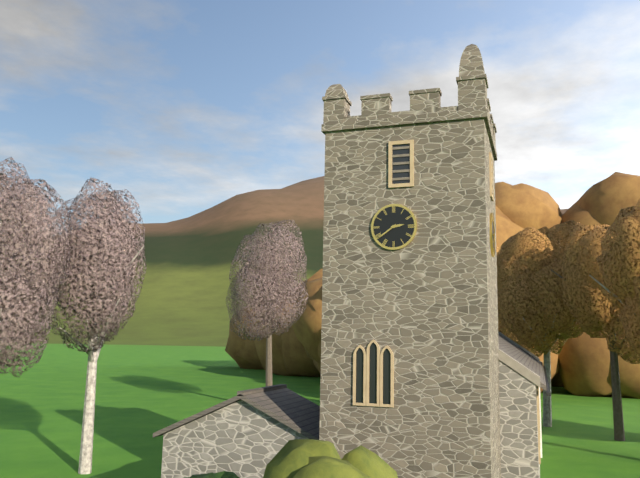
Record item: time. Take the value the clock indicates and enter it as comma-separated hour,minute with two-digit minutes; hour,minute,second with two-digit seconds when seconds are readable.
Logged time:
2,39
